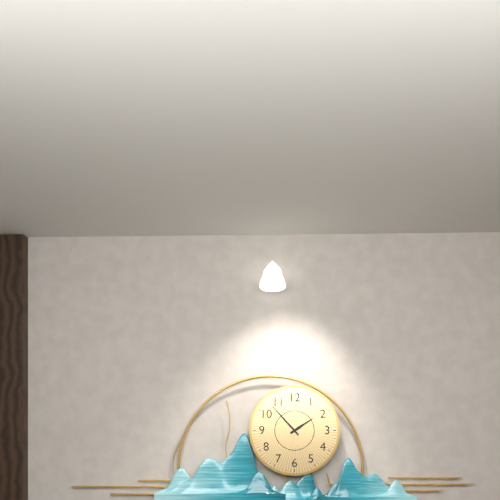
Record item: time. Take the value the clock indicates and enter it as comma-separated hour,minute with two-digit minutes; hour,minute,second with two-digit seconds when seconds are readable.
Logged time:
1,53
